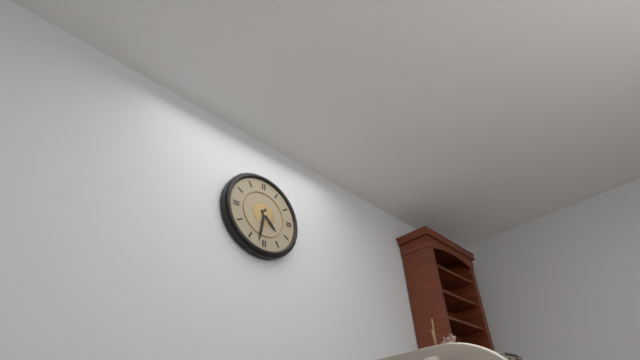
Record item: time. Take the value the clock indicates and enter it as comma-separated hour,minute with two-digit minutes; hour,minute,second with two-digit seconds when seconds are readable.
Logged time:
4,32
